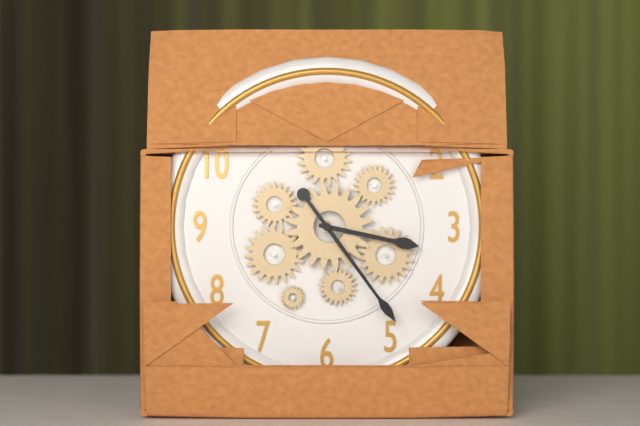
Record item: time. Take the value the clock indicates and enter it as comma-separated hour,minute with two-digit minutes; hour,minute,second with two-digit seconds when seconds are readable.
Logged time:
3,24
